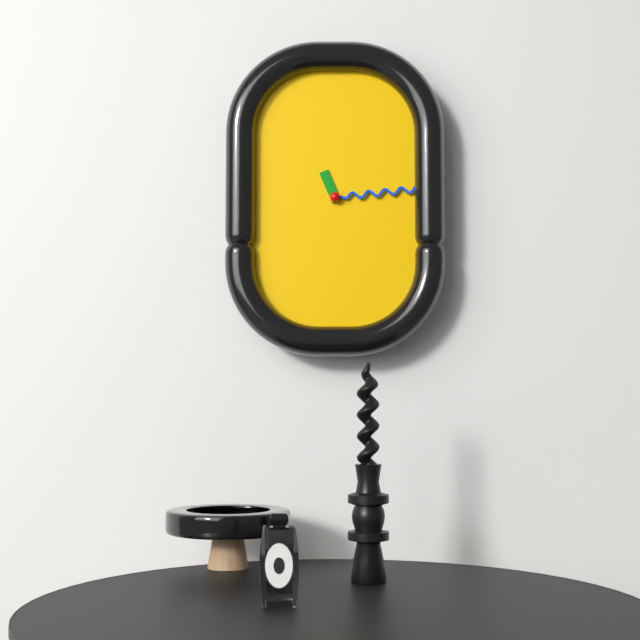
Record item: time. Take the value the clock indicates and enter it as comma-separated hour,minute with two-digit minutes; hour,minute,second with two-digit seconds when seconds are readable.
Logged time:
11,14
